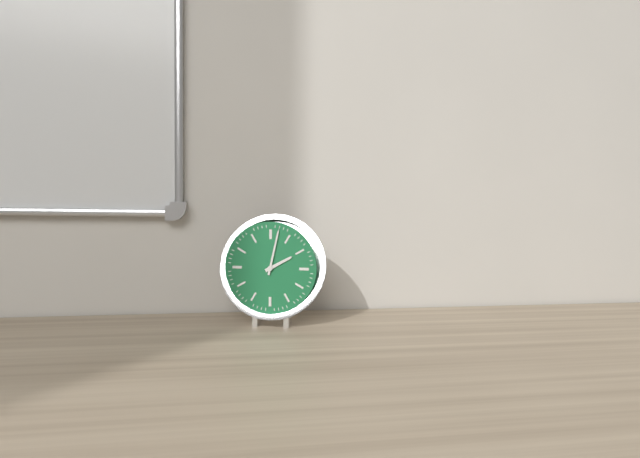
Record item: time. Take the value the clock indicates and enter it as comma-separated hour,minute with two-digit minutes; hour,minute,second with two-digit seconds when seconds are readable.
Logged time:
2,02
